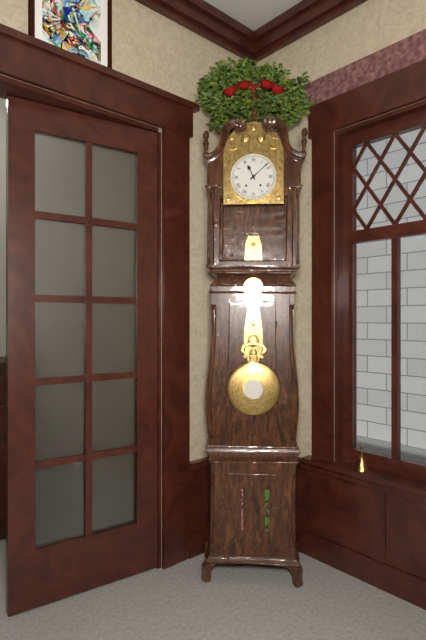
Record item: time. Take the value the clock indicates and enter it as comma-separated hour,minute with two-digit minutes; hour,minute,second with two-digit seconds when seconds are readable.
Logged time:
11,08
